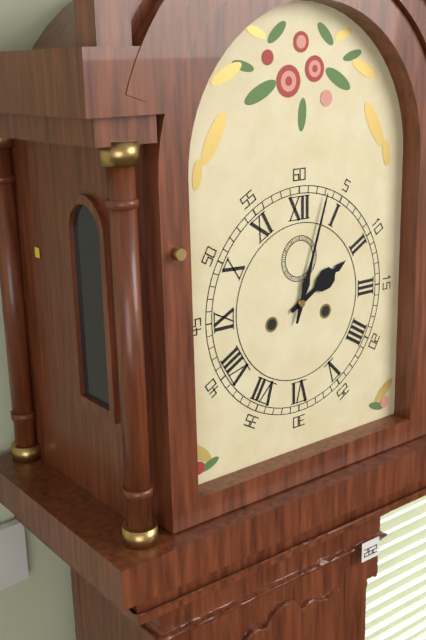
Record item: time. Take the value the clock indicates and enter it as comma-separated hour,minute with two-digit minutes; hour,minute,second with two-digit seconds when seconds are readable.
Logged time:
2,03
